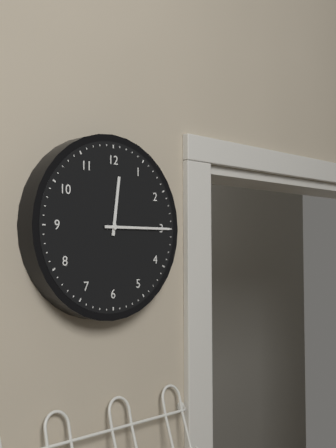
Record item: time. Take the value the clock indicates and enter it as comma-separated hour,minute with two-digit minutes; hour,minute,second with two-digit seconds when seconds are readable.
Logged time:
12,15
